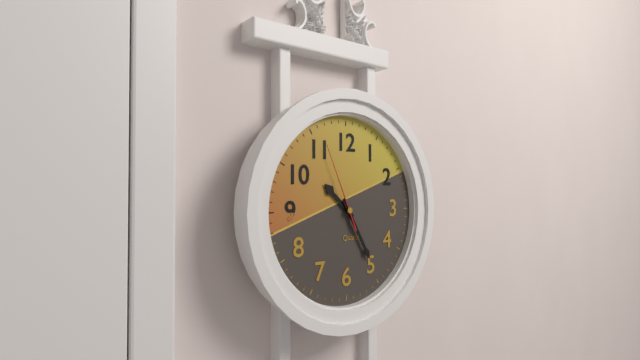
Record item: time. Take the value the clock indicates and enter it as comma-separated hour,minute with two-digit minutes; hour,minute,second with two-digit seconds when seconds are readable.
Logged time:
10,25,56
